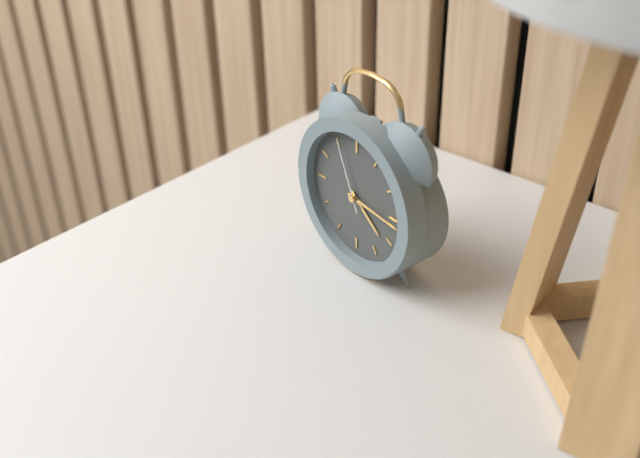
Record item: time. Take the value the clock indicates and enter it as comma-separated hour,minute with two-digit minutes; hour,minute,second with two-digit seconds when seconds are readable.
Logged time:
4,16,56
